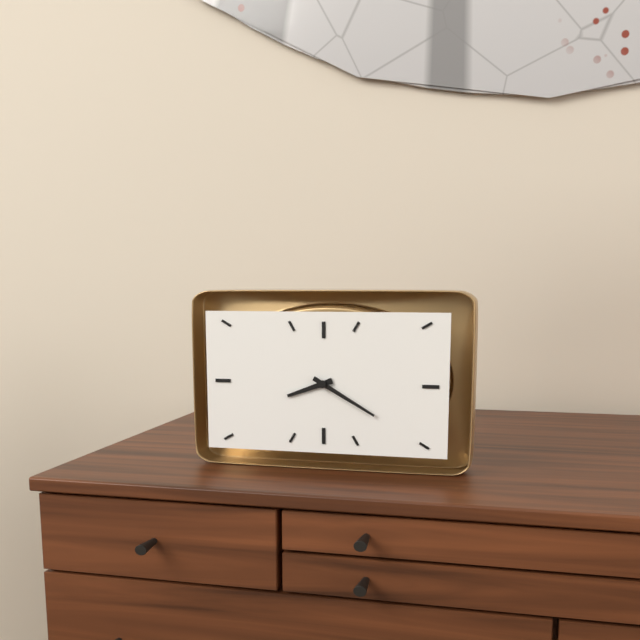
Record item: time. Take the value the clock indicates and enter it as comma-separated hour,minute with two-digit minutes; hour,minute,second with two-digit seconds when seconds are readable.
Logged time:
8,20
